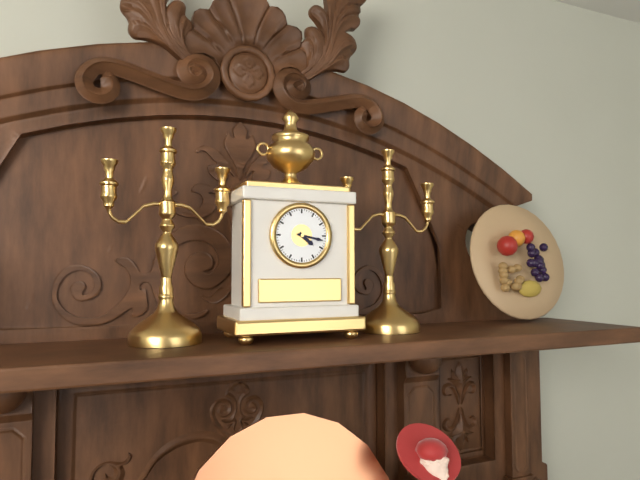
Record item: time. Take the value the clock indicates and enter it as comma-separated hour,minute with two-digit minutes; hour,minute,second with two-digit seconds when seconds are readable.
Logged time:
4,17
